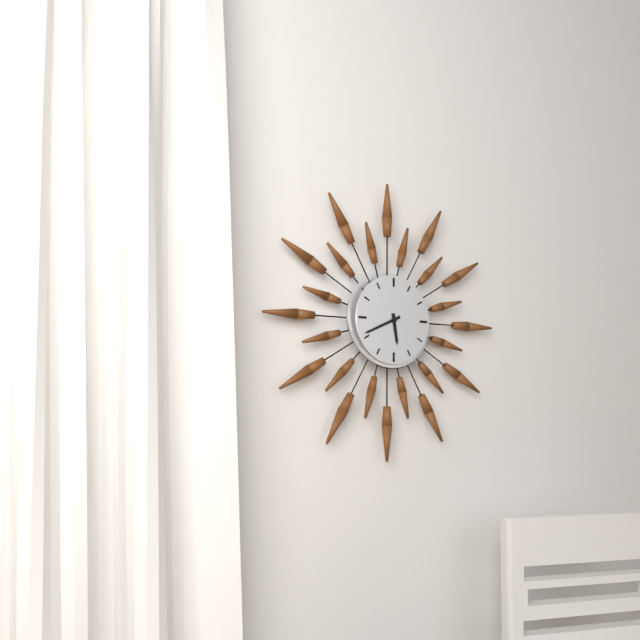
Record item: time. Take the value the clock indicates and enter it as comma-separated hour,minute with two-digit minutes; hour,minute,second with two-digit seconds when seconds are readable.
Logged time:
5,41
